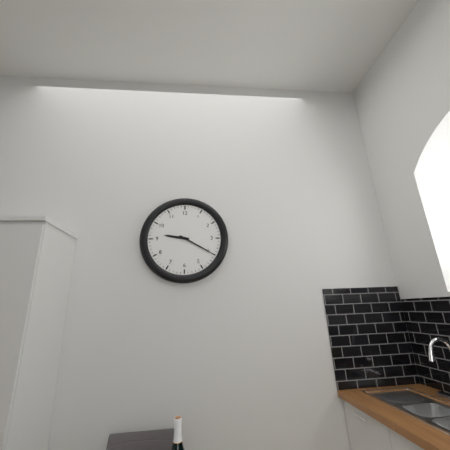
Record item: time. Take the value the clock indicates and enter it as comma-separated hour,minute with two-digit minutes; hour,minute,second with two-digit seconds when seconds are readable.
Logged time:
9,20
